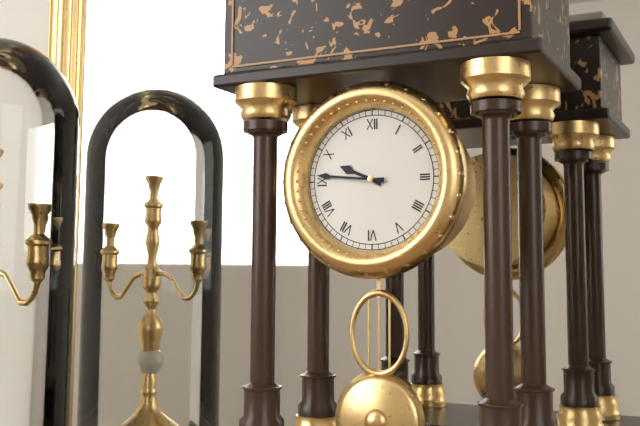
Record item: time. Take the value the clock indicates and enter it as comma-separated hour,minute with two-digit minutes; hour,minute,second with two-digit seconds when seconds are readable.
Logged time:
9,46
